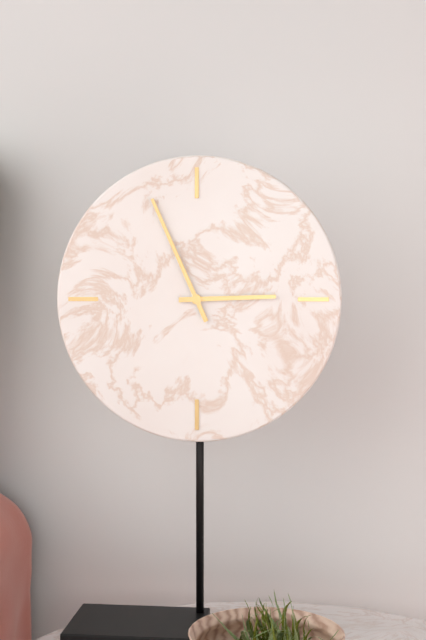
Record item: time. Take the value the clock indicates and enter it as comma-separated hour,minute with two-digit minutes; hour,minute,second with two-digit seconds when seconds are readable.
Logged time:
2,56
